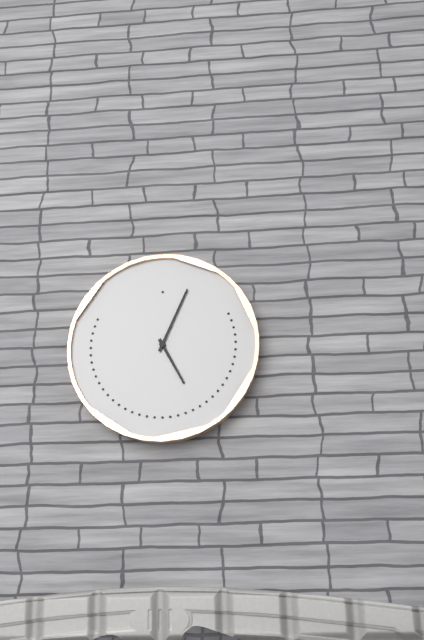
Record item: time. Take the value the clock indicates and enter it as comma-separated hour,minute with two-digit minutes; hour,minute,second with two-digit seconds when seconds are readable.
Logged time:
5,04
